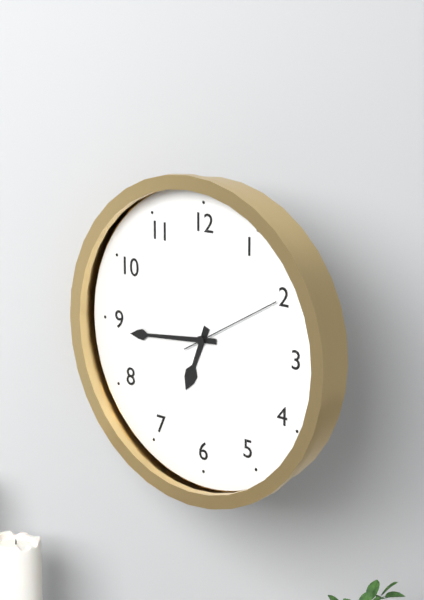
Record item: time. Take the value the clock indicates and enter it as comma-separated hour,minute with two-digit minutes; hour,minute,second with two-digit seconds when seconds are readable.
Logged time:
6,44,10
